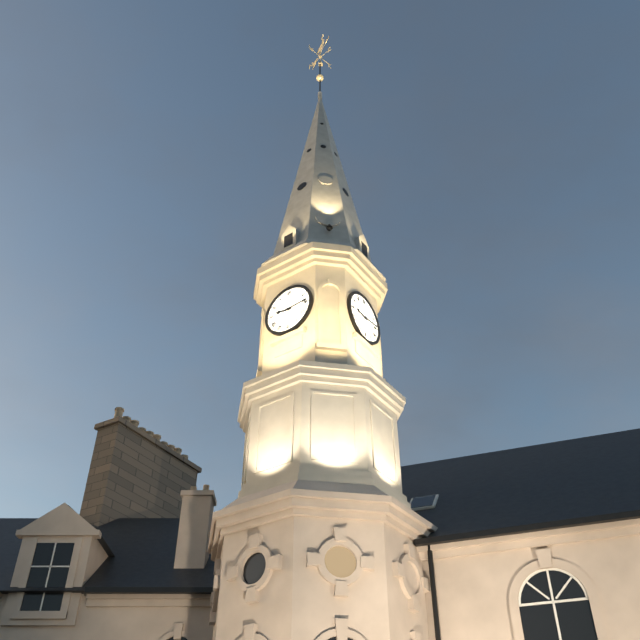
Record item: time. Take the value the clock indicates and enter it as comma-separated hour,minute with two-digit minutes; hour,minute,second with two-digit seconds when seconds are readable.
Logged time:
9,14
